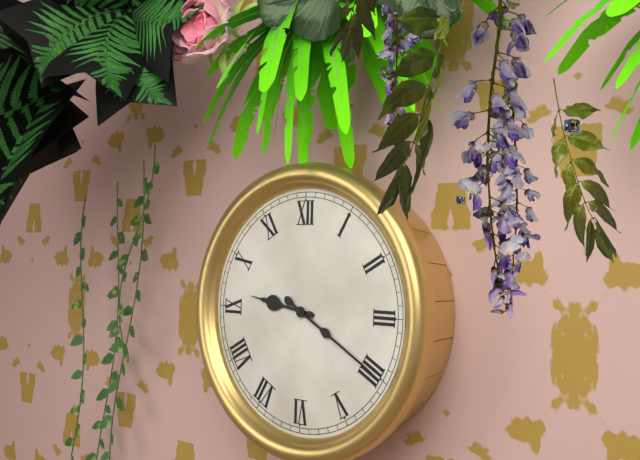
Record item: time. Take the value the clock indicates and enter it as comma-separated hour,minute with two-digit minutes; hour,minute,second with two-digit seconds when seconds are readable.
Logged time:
9,20
